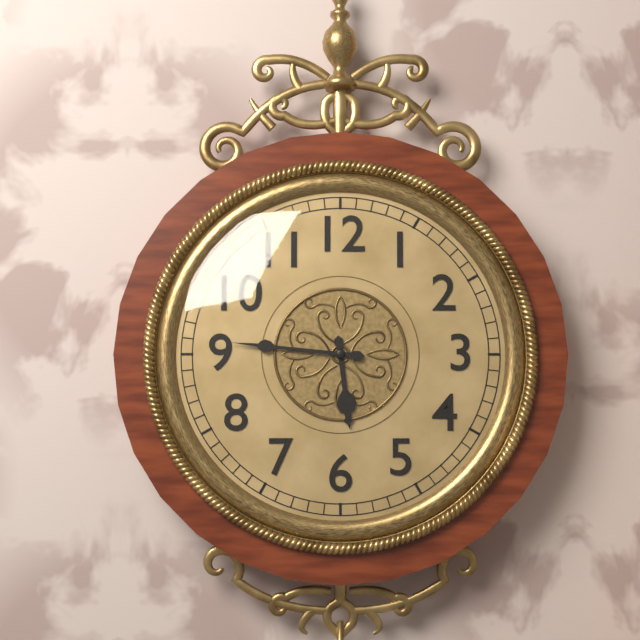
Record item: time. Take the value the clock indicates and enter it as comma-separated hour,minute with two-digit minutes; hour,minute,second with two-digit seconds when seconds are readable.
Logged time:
5,46
